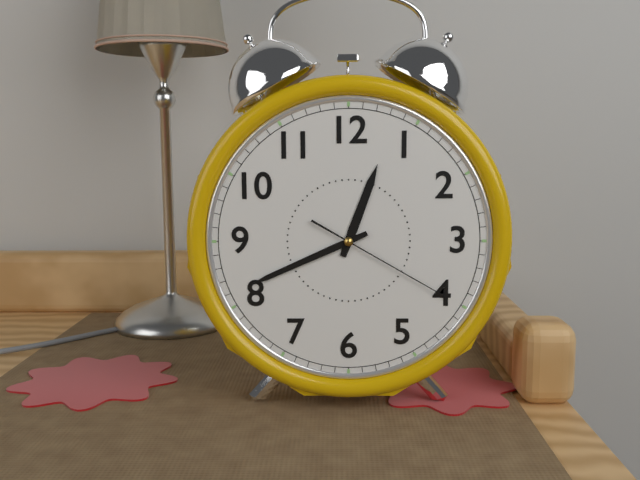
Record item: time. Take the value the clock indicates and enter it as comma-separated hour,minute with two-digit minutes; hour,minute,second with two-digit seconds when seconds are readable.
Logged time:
12,41,20
